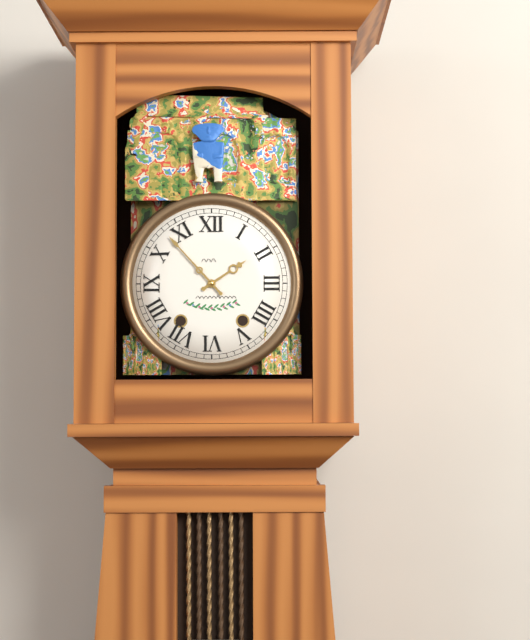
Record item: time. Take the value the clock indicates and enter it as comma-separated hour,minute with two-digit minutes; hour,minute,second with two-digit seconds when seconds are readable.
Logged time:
1,53
